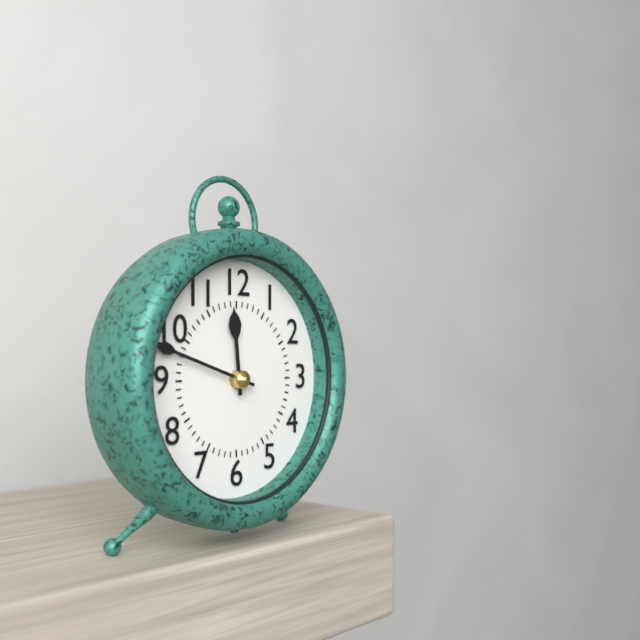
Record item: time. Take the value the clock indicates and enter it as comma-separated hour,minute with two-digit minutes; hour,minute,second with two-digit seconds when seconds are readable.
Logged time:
11,48
